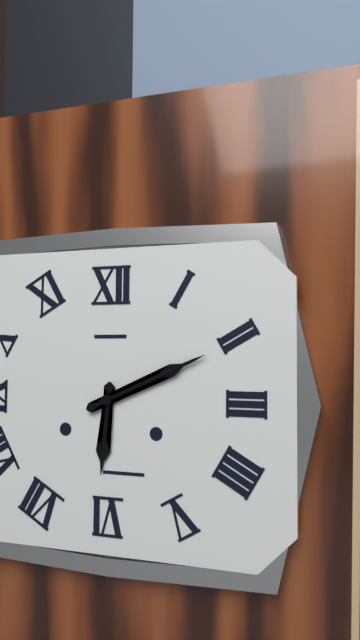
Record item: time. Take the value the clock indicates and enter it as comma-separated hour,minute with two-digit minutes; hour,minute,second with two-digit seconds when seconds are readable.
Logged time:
6,11
